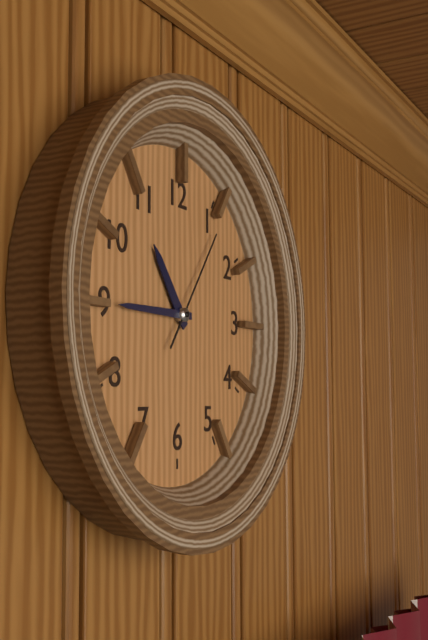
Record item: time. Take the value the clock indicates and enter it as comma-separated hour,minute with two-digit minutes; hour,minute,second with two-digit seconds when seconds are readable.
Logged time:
10,45,06
